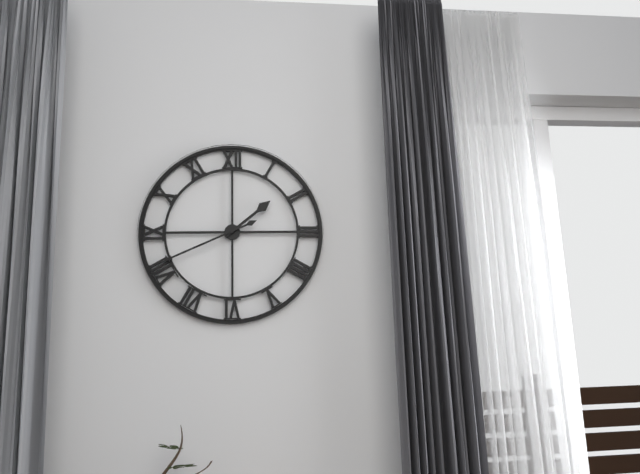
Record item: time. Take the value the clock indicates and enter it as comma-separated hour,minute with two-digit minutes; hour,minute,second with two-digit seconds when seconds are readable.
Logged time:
1,41
